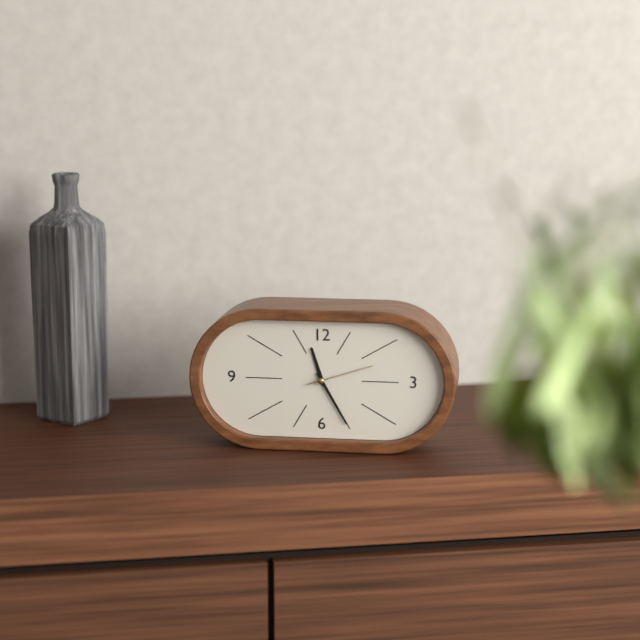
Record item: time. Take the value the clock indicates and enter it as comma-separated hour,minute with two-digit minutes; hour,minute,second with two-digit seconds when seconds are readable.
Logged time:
11,25,12
